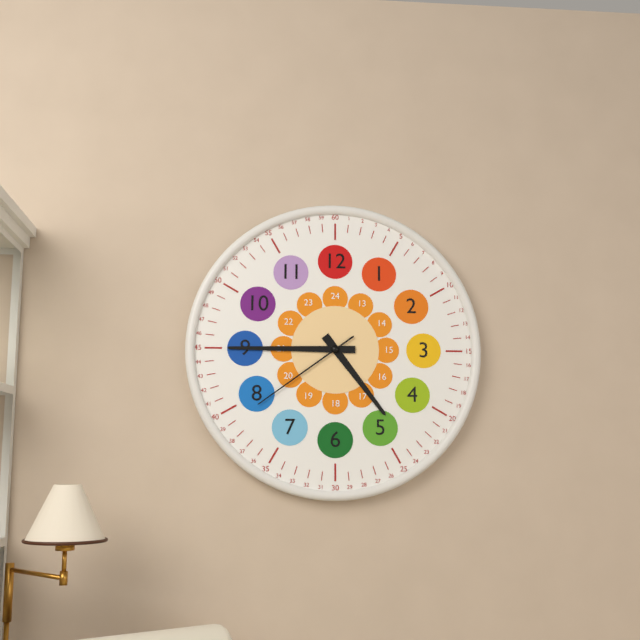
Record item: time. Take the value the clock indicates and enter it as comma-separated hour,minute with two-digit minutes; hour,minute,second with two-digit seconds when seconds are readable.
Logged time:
4,45,39
